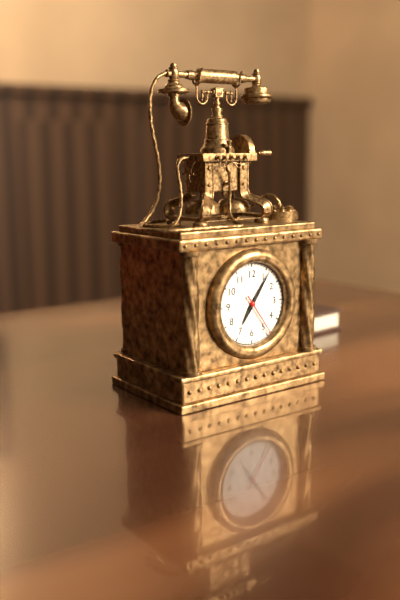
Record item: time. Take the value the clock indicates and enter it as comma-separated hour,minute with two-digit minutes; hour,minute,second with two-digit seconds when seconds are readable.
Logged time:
7,06
